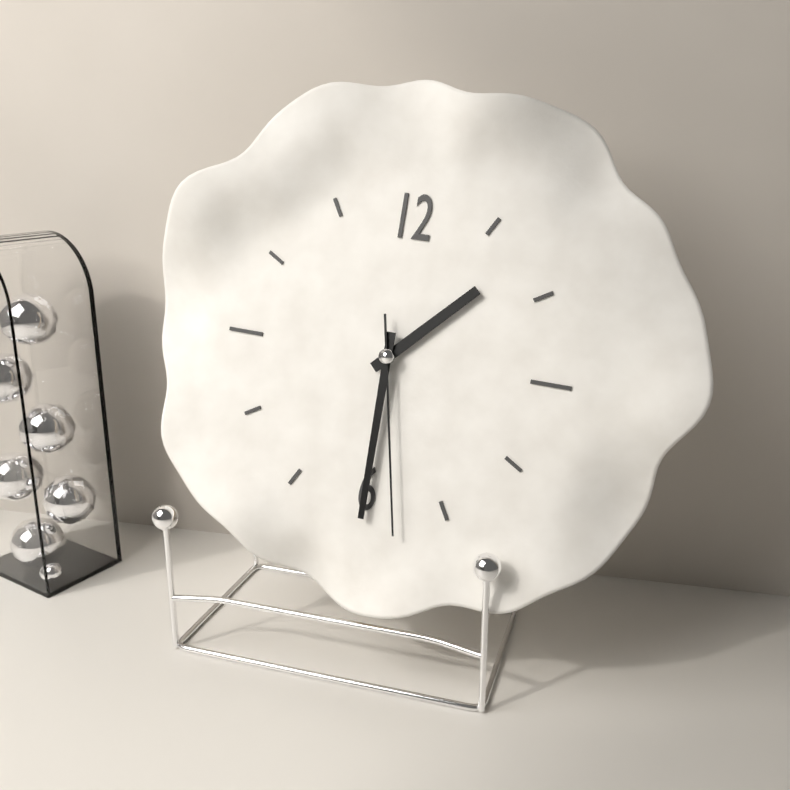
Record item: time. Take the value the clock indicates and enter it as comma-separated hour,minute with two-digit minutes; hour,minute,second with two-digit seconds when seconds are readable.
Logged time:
1,30,28
